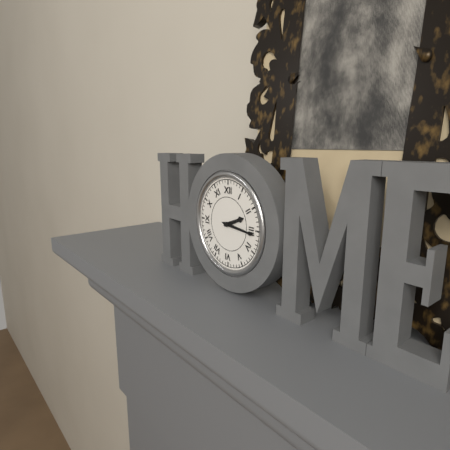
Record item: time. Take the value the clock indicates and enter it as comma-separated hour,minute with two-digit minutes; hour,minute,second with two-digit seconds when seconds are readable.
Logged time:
2,16
